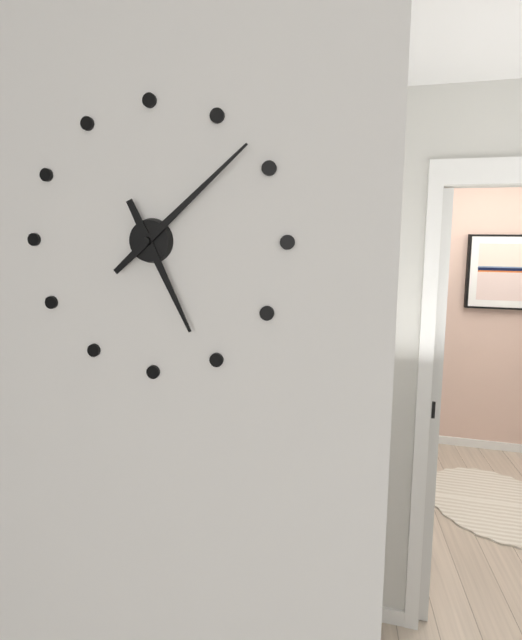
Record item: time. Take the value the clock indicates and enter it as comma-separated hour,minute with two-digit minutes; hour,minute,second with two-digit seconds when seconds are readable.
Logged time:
5,08
